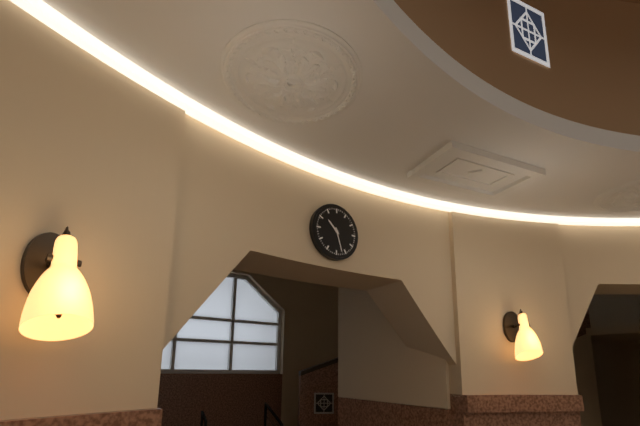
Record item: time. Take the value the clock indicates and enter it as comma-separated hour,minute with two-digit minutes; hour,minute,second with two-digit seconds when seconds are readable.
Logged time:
10,27
